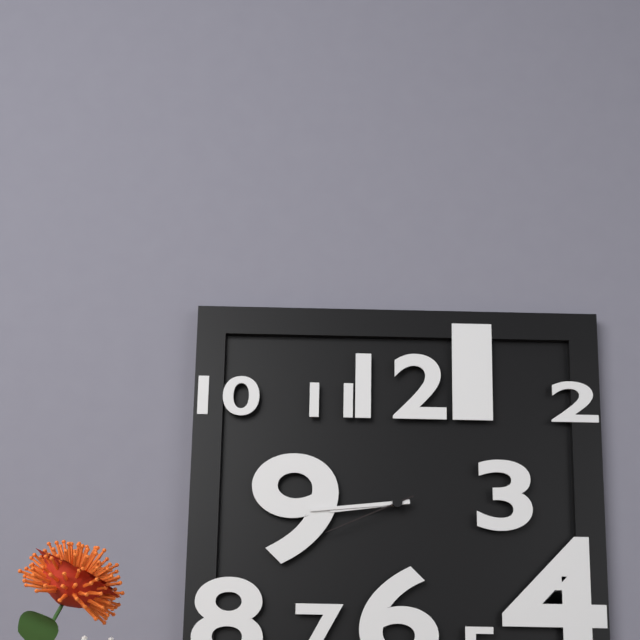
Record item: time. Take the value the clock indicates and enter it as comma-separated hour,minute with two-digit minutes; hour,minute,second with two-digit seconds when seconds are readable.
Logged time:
8,44,41
